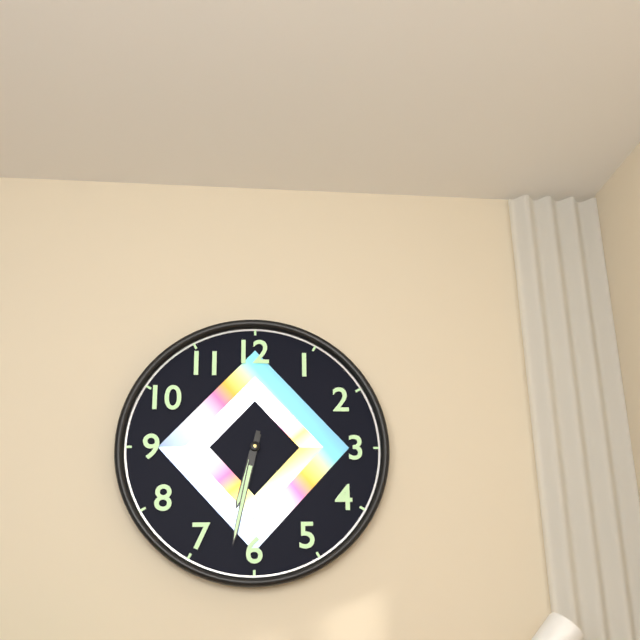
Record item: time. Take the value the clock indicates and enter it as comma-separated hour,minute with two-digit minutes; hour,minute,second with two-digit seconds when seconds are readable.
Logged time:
6,32
